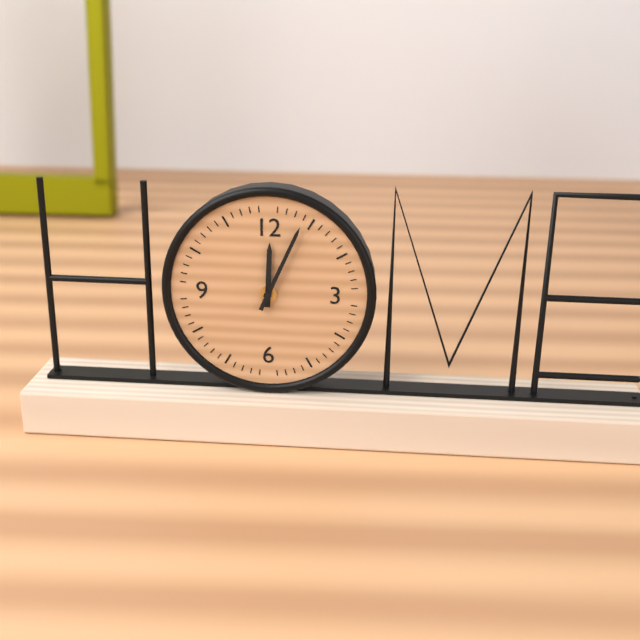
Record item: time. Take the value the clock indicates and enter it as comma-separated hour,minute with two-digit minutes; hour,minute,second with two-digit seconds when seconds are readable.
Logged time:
12,04
